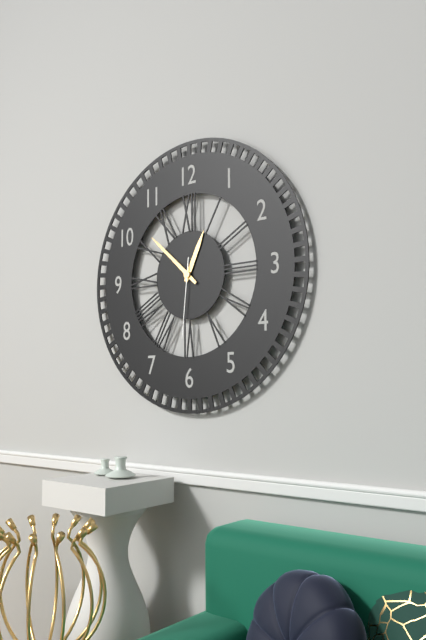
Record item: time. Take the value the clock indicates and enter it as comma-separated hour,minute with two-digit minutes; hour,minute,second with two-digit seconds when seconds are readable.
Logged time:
12,52,31
